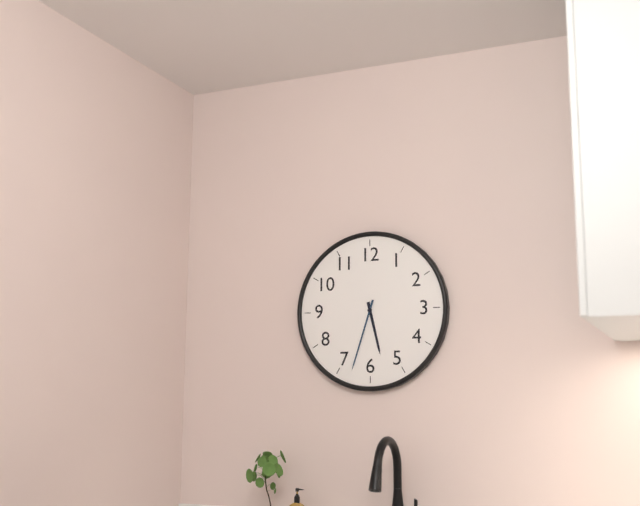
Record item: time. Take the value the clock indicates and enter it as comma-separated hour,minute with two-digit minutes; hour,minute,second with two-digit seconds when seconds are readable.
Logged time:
5,33
